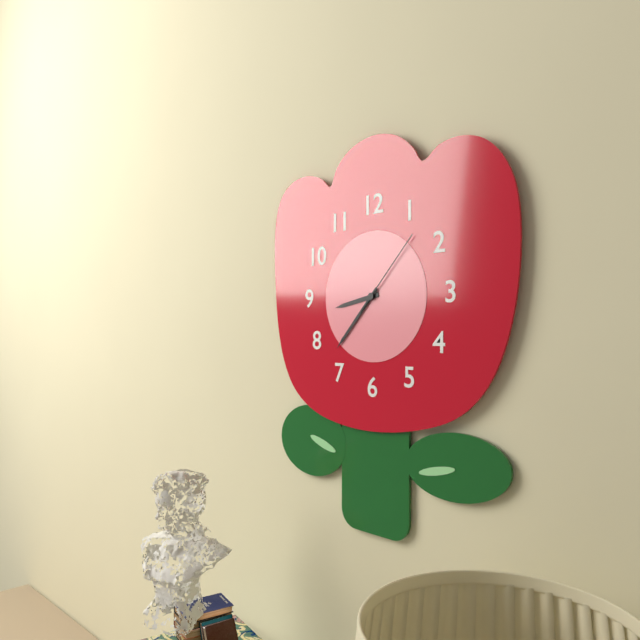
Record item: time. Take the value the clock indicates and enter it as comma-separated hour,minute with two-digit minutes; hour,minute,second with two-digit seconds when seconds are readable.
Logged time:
8,37,07
